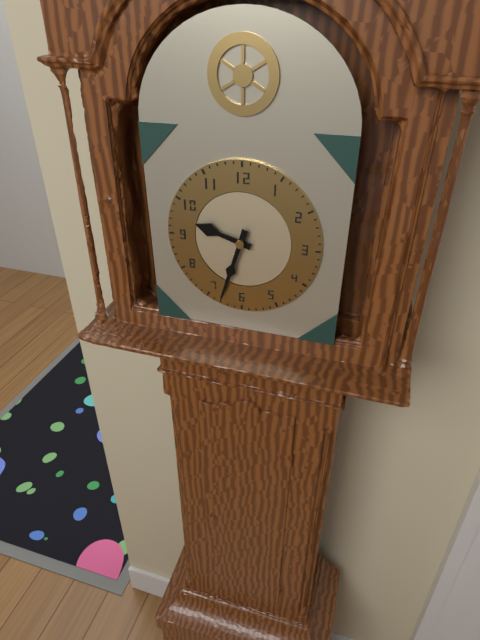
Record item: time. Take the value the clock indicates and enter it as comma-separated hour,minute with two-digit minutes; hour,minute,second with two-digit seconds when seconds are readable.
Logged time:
9,33
